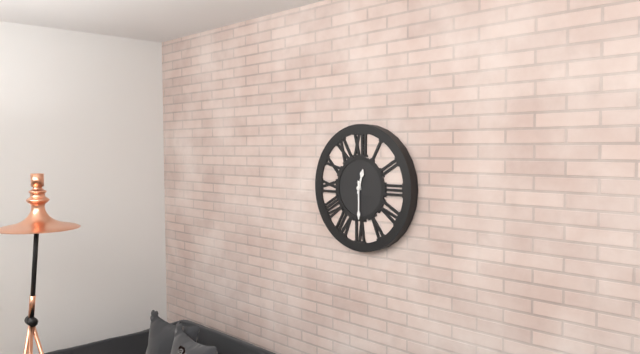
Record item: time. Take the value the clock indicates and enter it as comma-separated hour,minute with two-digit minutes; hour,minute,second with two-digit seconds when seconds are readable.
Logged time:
12,30
